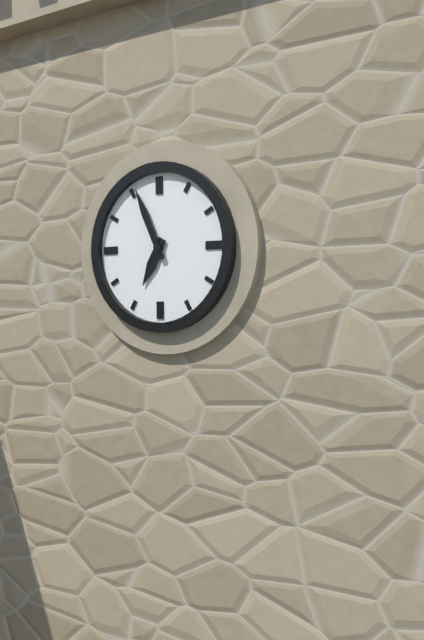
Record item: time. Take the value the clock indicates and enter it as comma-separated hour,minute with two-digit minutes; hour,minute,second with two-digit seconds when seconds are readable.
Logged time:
6,56
